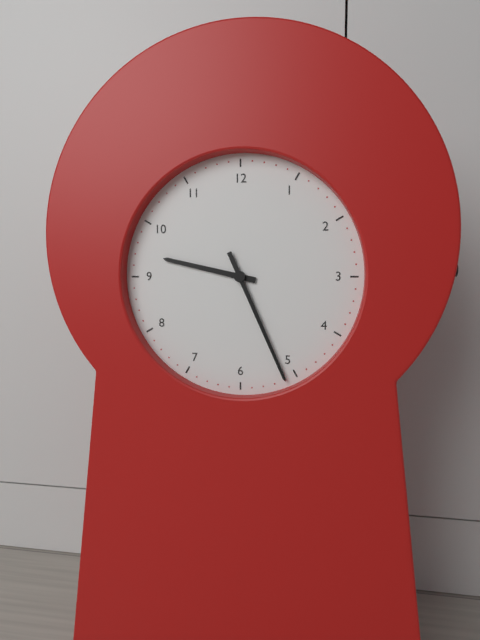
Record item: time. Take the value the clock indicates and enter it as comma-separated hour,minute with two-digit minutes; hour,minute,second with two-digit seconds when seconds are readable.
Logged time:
9,26
